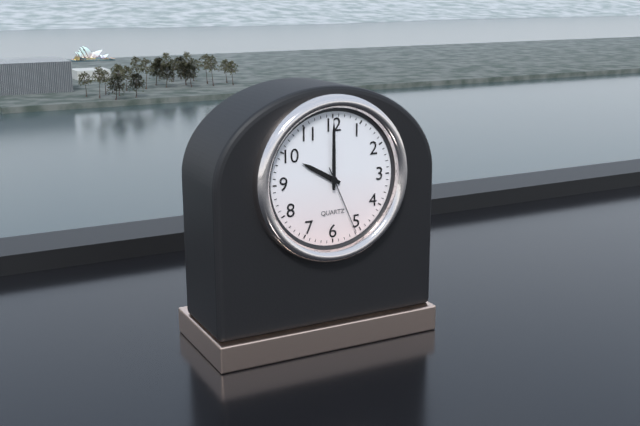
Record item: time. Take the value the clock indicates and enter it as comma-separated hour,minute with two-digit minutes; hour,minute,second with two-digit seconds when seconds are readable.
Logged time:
10,00,26
